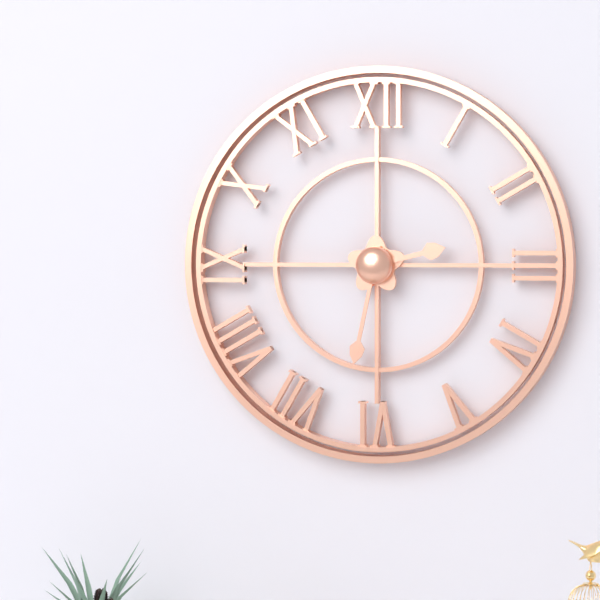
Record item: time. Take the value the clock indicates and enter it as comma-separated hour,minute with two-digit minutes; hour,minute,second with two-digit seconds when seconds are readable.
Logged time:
2,32
